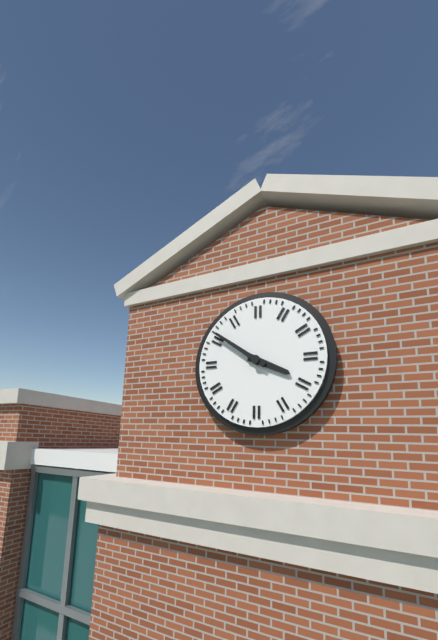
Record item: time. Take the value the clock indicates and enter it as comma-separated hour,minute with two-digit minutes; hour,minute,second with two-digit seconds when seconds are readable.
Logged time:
3,51
